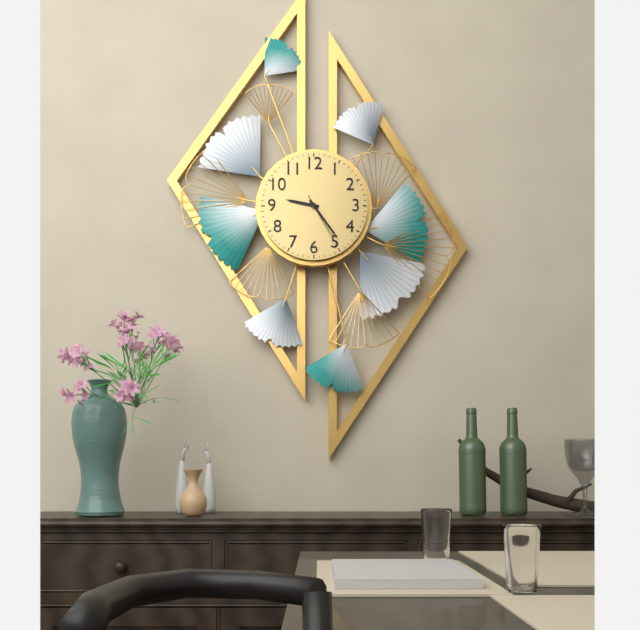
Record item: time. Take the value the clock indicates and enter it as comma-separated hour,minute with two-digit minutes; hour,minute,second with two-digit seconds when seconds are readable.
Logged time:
9,24,25
